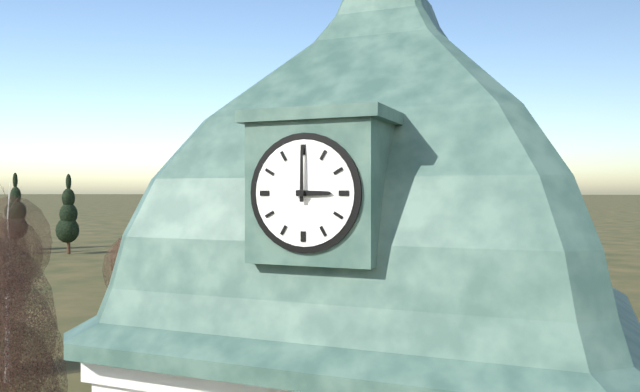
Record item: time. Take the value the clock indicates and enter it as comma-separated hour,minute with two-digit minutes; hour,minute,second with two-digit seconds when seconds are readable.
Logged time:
3,00
